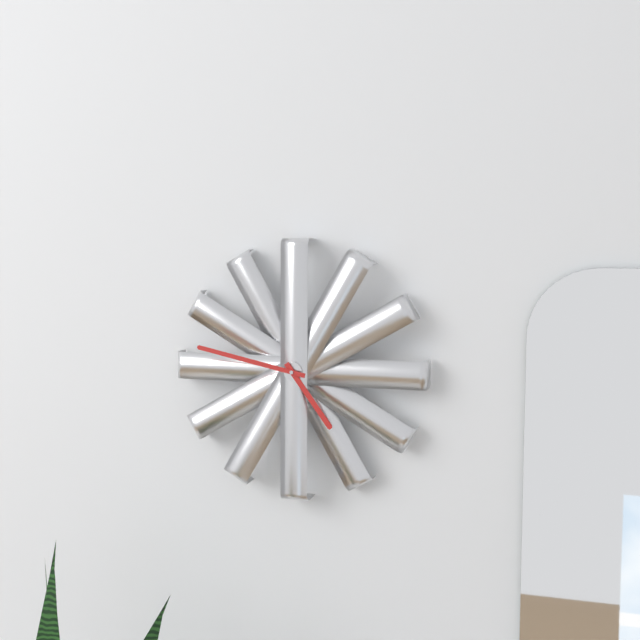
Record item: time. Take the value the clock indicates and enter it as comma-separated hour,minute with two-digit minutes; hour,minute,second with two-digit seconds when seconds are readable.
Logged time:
4,47
